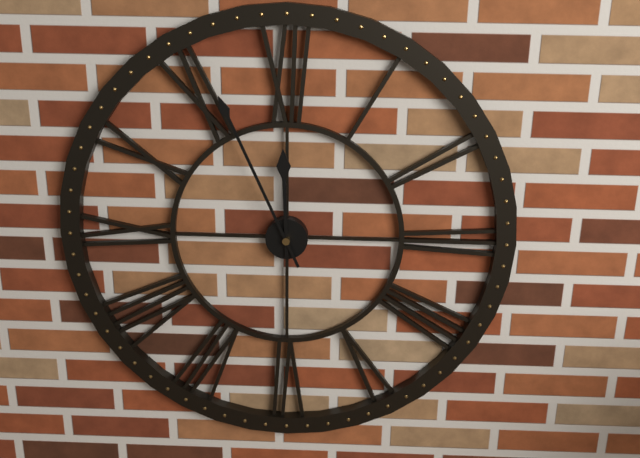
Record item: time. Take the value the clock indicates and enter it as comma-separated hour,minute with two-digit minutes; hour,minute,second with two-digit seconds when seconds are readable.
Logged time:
11,56
